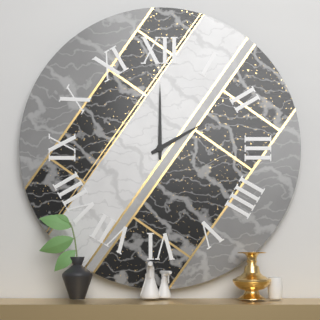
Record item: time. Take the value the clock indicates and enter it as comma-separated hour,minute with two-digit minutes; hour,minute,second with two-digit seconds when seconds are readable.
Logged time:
2,00
